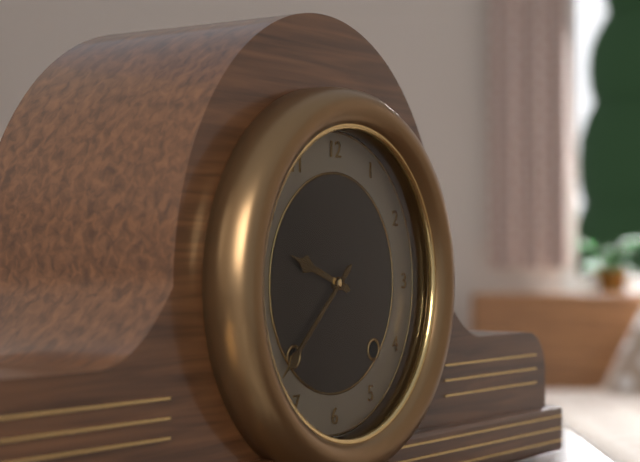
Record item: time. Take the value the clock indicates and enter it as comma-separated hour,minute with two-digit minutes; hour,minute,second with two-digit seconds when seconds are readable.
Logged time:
9,38
